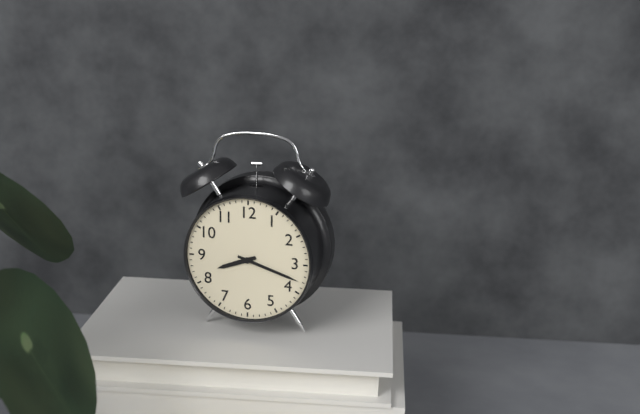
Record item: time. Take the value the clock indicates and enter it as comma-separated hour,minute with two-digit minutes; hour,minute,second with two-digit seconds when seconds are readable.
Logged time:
8,18
